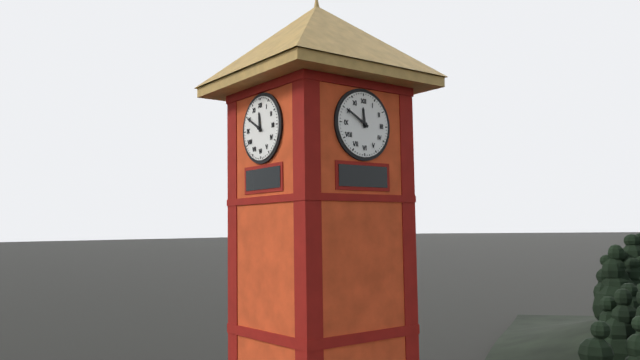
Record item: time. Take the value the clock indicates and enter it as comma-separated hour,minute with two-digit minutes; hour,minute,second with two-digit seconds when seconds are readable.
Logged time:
11,50
